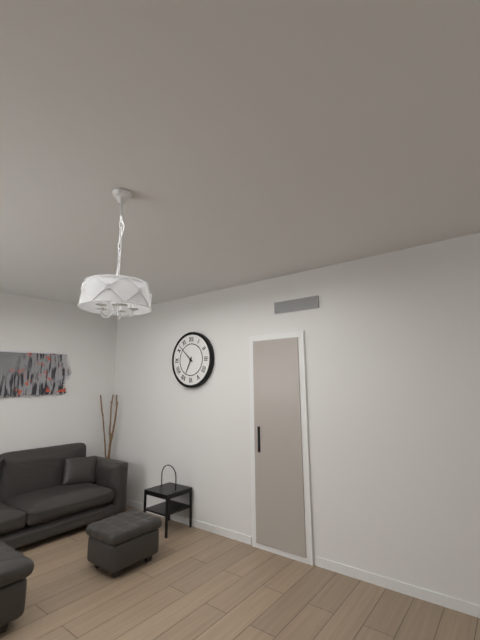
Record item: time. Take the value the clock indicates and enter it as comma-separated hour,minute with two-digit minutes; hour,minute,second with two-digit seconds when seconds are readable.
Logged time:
6,52
